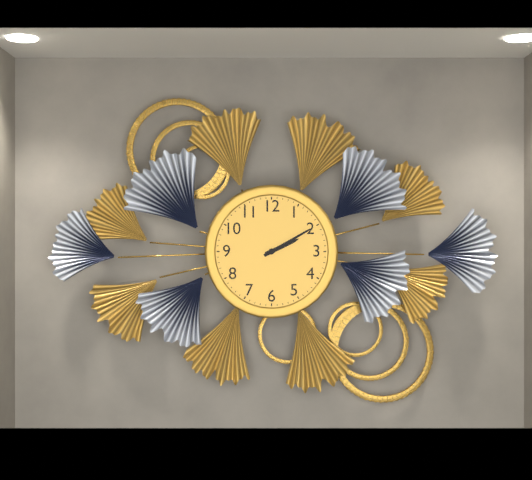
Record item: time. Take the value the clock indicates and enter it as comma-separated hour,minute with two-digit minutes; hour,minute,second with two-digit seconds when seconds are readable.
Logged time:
2,10
